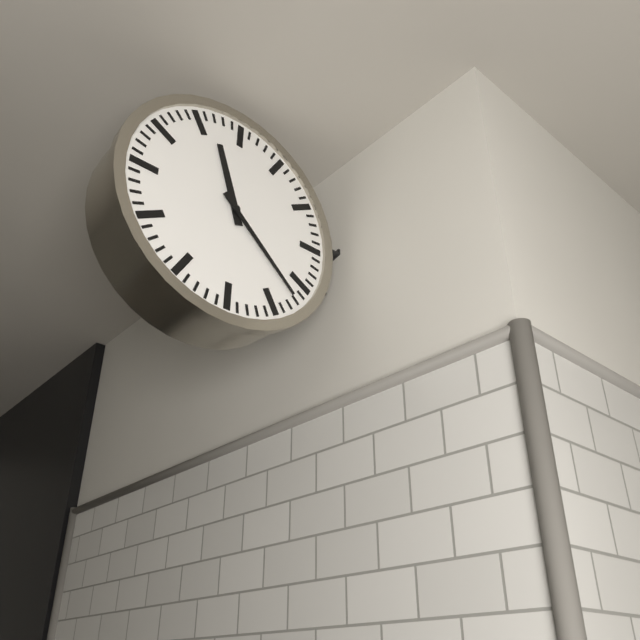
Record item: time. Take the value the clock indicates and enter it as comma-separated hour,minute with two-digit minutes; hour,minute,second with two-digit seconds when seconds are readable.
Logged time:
11,22
